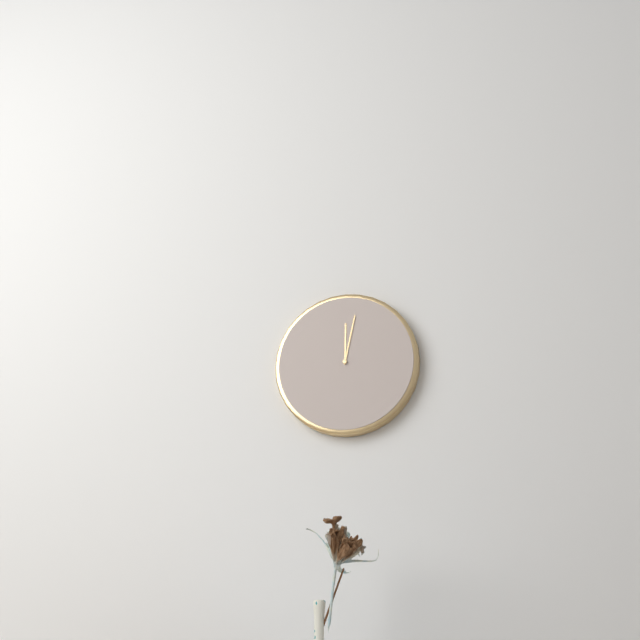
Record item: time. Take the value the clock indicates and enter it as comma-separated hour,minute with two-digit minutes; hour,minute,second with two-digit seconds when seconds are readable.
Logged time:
12,02
